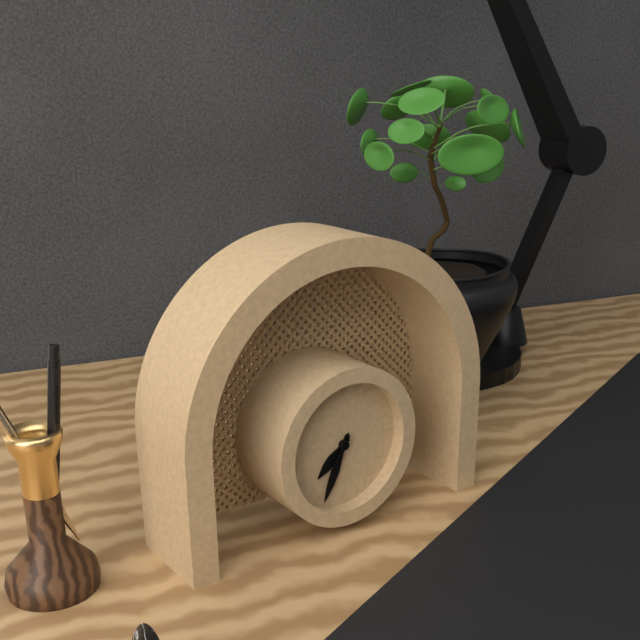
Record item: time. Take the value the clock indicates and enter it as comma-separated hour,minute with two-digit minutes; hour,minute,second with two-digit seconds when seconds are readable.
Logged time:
7,34
